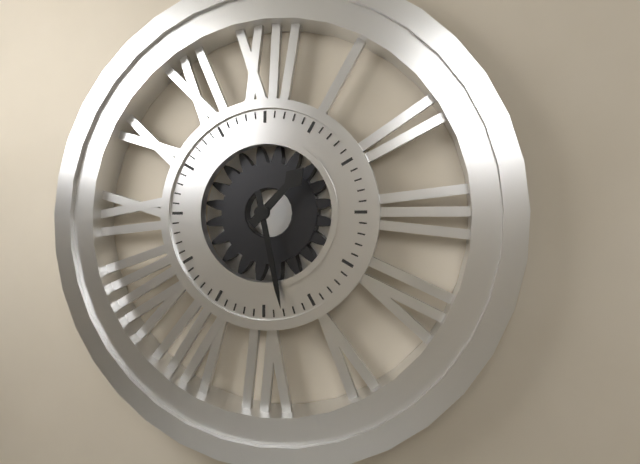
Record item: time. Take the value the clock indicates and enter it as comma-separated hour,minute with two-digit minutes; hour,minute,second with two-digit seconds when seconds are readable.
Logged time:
1,28
